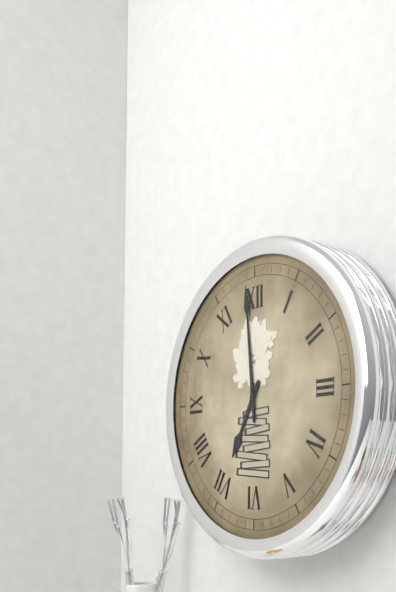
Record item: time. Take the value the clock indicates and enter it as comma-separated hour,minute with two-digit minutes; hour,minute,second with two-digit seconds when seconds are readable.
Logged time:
6,59
